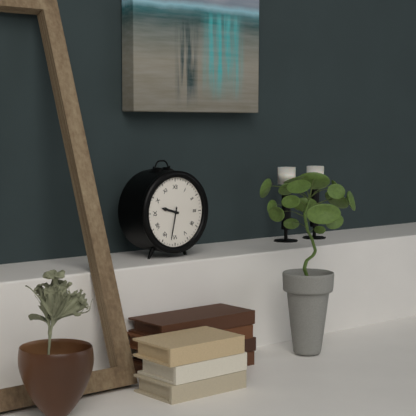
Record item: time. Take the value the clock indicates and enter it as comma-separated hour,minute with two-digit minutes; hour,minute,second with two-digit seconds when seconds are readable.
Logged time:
9,32
